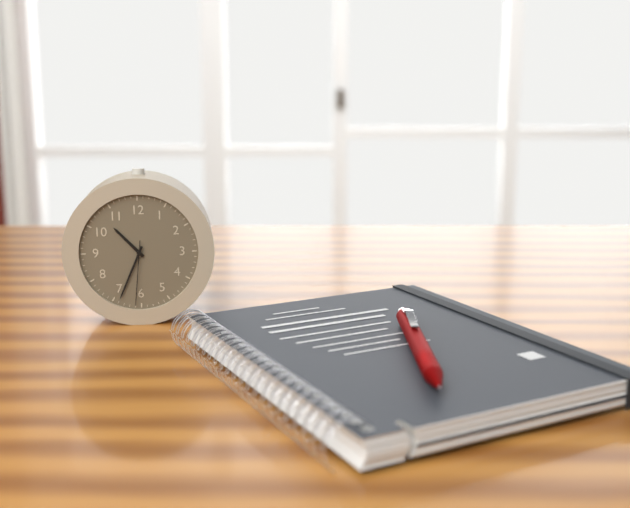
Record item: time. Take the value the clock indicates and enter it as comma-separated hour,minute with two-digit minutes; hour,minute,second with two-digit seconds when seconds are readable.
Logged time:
10,34,31
